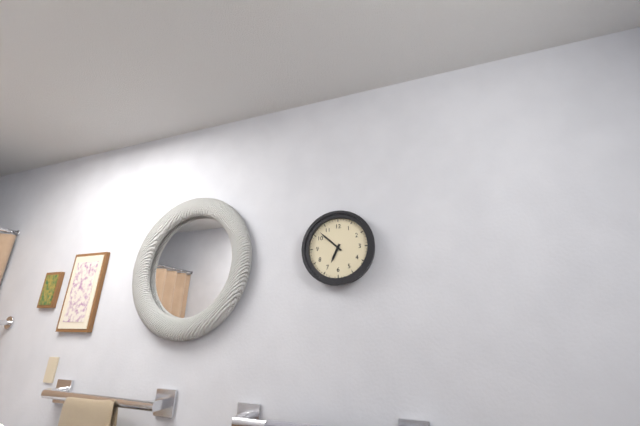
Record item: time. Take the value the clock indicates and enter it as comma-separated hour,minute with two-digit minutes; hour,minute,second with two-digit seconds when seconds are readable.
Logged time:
6,52
